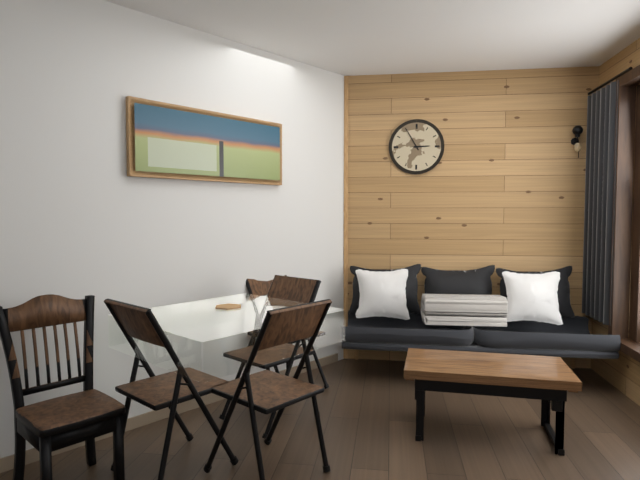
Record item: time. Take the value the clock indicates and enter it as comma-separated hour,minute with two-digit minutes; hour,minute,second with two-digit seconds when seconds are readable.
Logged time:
2,55
